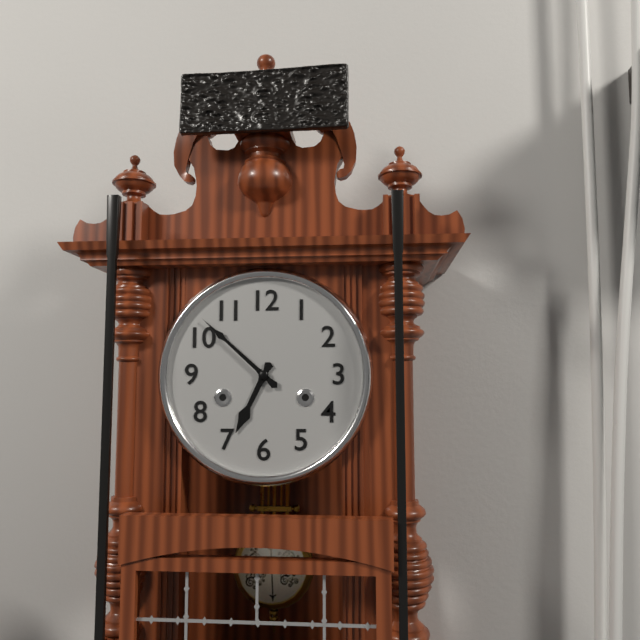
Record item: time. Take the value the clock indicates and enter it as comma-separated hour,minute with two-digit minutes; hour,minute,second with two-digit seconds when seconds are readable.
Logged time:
6,52
